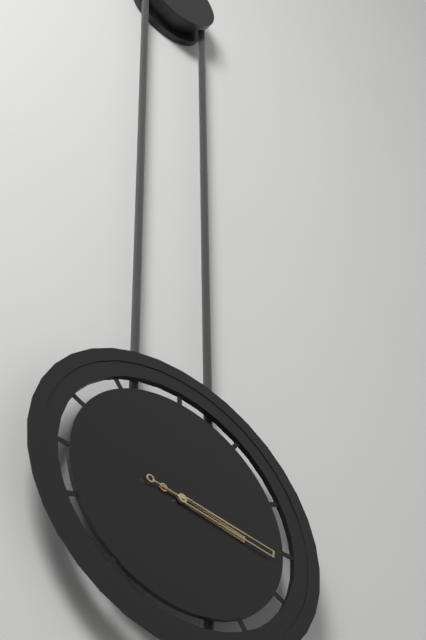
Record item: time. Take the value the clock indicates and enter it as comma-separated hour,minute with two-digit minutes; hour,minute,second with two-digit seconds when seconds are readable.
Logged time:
3,16
